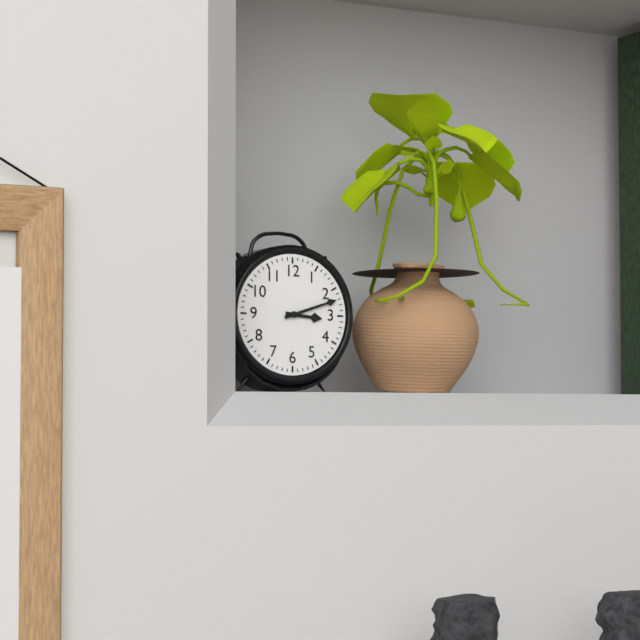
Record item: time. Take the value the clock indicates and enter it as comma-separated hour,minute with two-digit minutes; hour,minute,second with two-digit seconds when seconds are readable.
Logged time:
3,12
